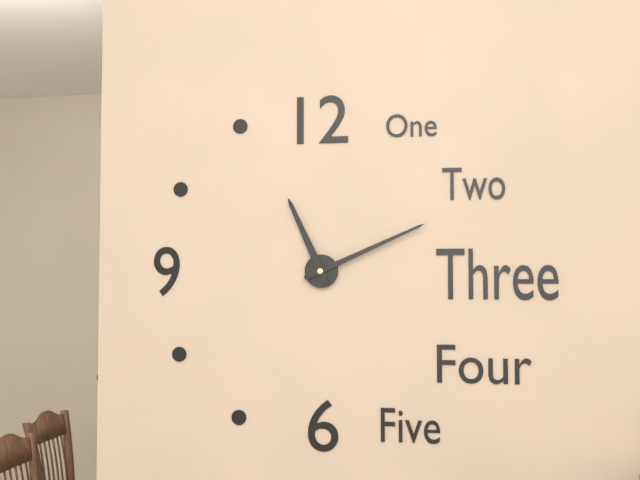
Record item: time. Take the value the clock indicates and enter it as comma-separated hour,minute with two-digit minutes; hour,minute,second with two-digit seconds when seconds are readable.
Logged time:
11,11
